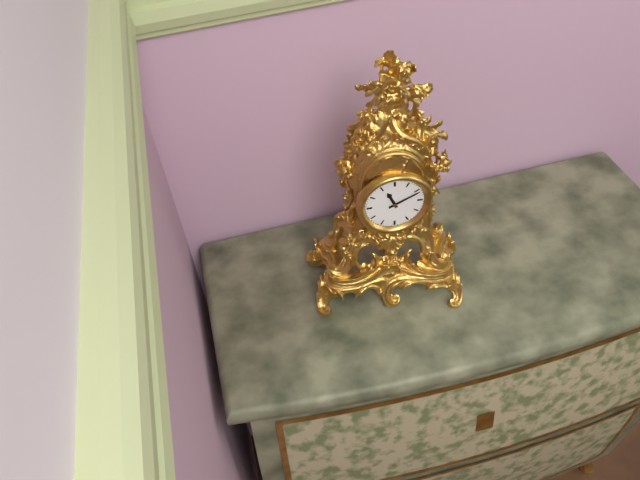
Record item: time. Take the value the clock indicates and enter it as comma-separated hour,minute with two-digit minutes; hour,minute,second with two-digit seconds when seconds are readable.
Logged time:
11,11
